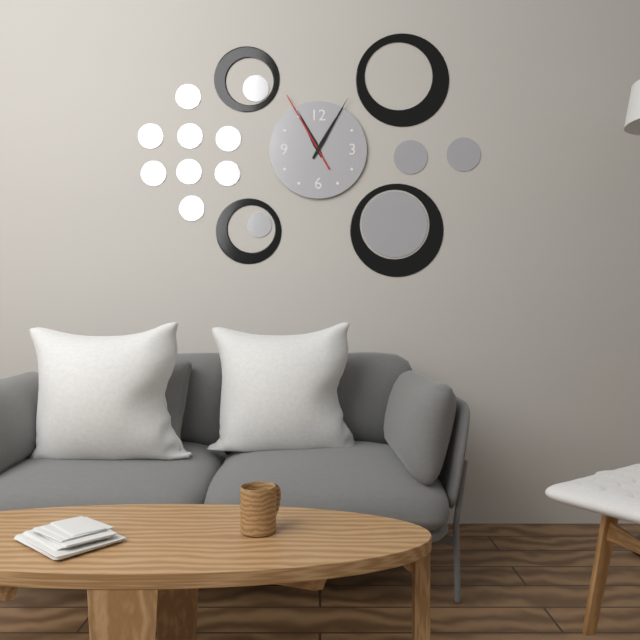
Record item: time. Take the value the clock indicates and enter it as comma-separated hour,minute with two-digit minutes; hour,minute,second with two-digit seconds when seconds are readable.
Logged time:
11,05,55
